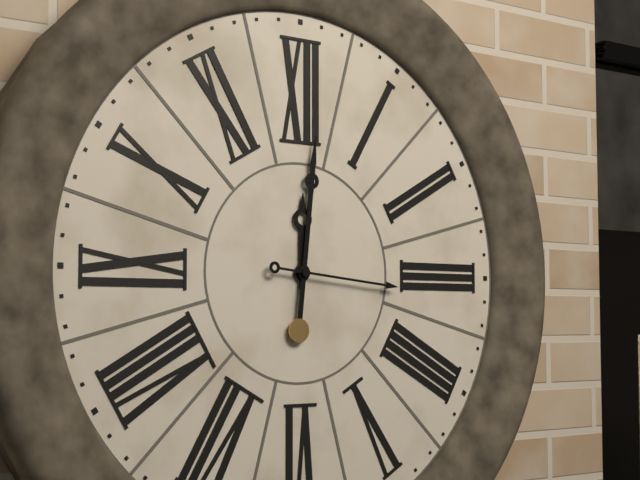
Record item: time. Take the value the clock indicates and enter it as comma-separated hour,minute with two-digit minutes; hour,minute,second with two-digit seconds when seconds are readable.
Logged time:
12,01,16
